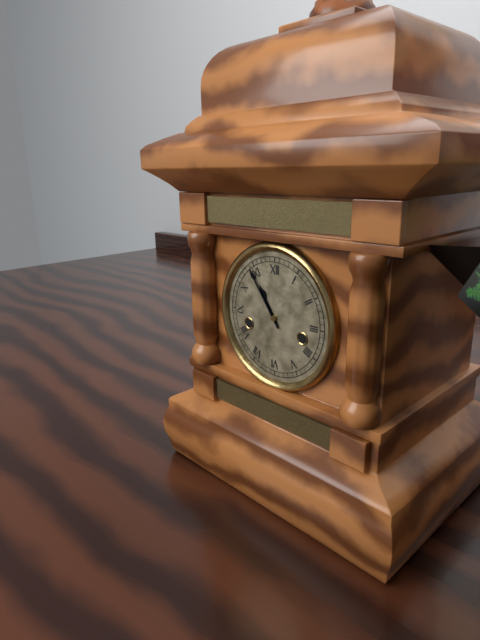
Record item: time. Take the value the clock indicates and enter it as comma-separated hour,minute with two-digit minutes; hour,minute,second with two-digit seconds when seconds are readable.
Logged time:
10,54
